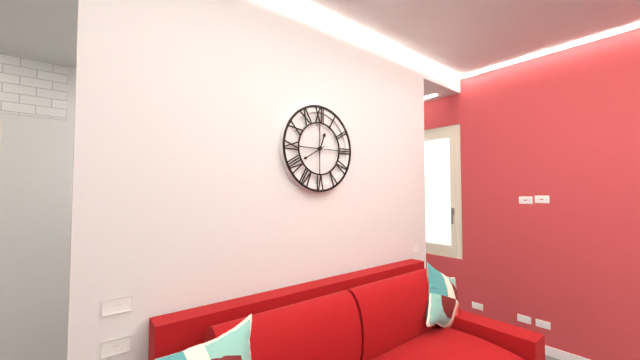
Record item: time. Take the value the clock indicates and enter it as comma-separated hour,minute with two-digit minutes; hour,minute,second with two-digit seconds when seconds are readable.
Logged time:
12,40
